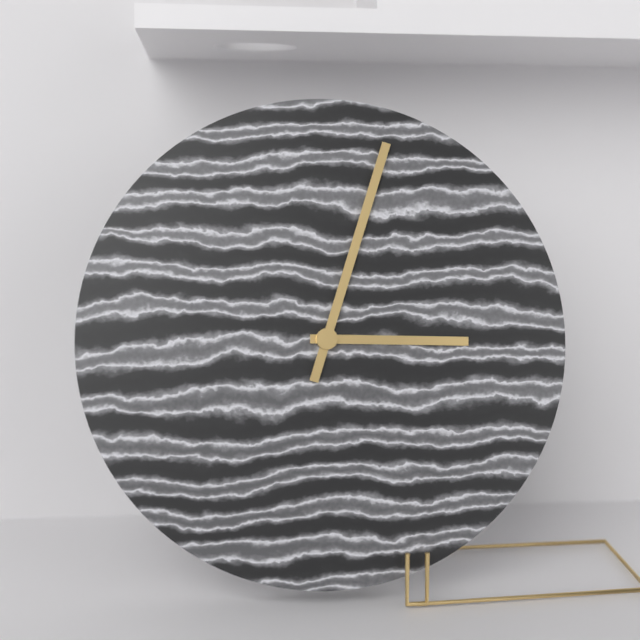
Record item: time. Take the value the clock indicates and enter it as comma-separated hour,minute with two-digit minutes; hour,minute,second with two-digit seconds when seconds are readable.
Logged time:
3,03
